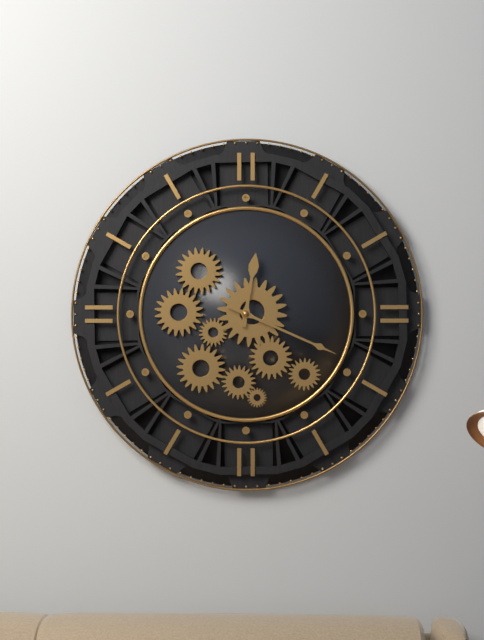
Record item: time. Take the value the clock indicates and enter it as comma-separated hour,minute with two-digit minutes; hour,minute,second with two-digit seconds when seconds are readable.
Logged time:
12,19
